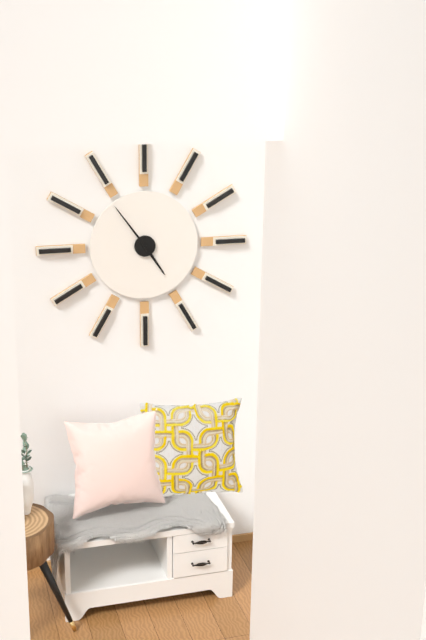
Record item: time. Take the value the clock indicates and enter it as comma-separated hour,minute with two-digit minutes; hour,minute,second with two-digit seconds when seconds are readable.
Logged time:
4,54
